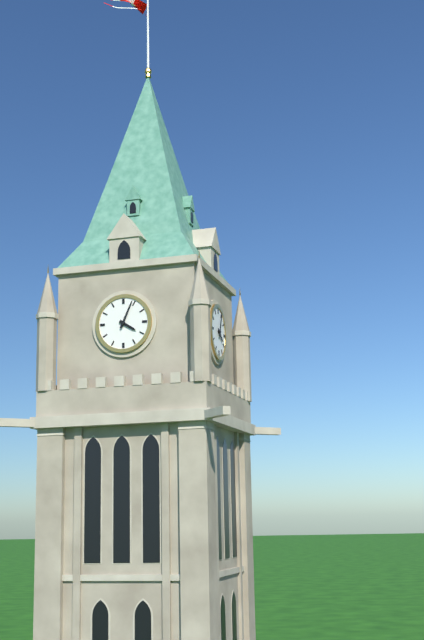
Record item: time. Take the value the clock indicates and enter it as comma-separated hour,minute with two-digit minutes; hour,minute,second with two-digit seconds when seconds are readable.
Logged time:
4,04
